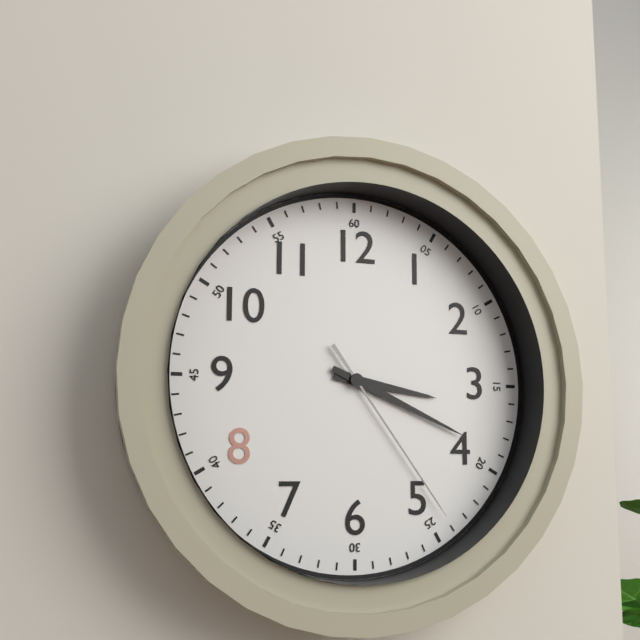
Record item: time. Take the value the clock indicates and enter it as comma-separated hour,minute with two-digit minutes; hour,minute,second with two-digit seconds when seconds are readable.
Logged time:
3,19,24
